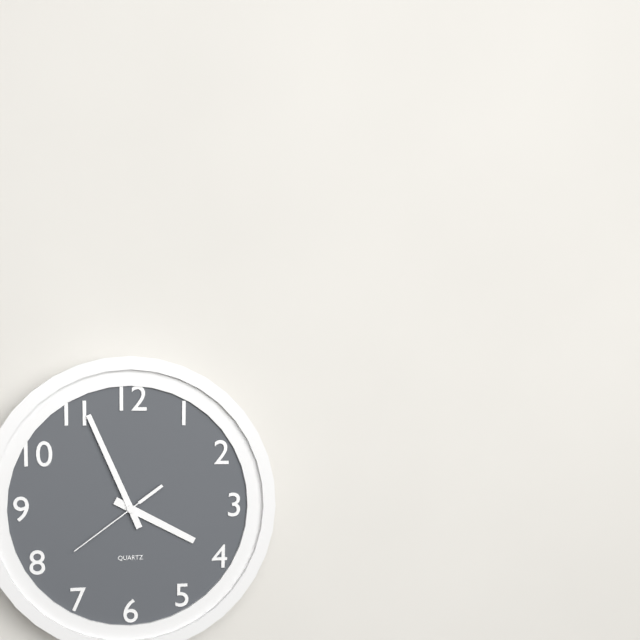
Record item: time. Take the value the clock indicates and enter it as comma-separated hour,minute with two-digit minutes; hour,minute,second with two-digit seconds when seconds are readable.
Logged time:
3,56,39
